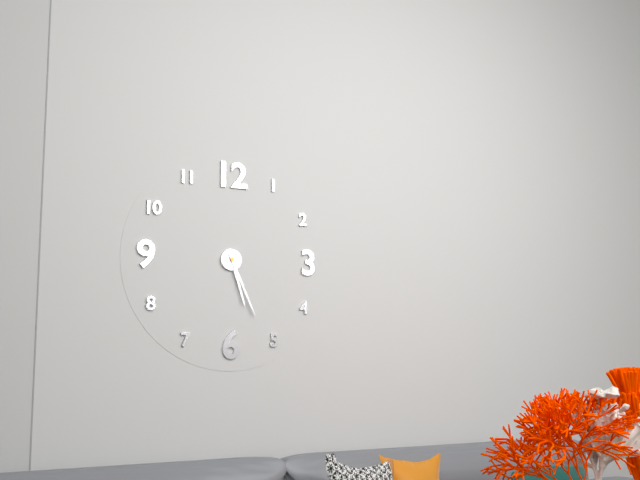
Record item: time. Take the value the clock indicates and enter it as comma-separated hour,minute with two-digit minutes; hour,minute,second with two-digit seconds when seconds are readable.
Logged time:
5,26
